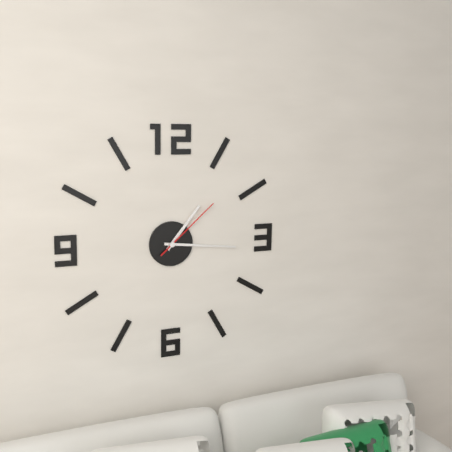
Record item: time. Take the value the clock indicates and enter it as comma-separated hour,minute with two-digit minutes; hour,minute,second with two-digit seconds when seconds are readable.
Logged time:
1,16,08
